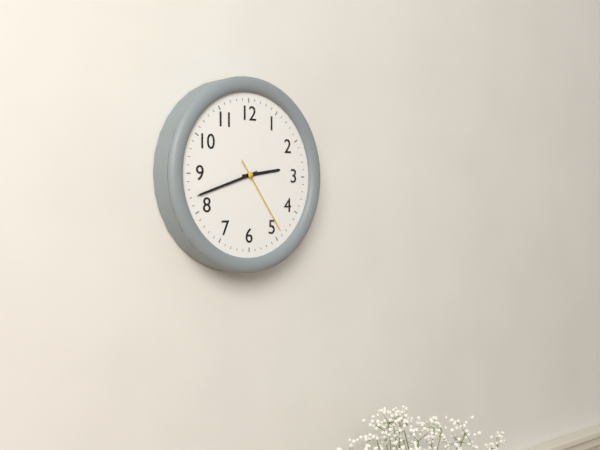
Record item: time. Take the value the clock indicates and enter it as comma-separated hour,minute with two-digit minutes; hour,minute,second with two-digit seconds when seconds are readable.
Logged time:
2,42,24
